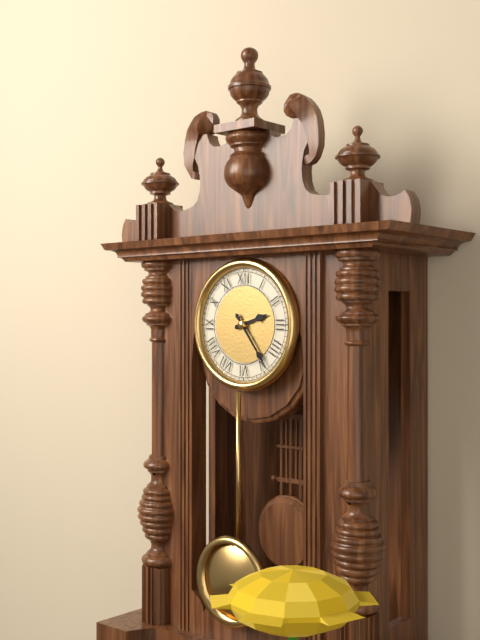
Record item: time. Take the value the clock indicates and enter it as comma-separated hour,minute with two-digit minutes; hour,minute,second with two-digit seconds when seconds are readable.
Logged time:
2,24
